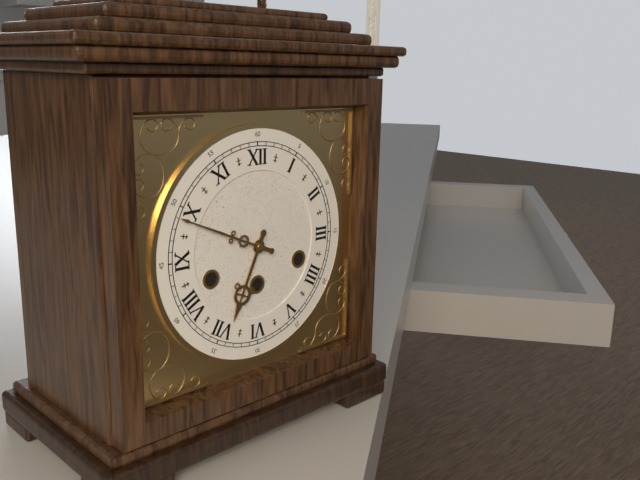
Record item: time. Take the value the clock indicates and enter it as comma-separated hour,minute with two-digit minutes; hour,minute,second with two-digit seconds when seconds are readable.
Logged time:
6,49
